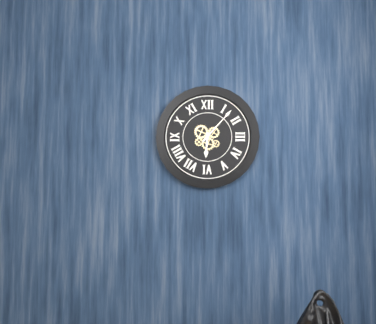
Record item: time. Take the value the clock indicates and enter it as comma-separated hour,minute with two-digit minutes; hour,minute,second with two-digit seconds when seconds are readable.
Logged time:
6,07
